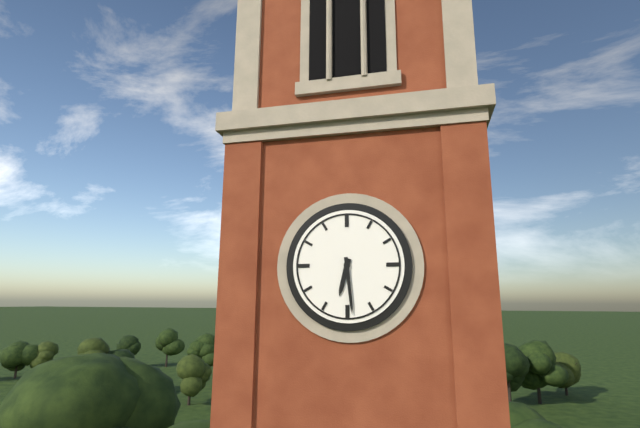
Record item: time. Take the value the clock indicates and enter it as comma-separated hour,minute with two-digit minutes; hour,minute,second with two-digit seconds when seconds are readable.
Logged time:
6,29
